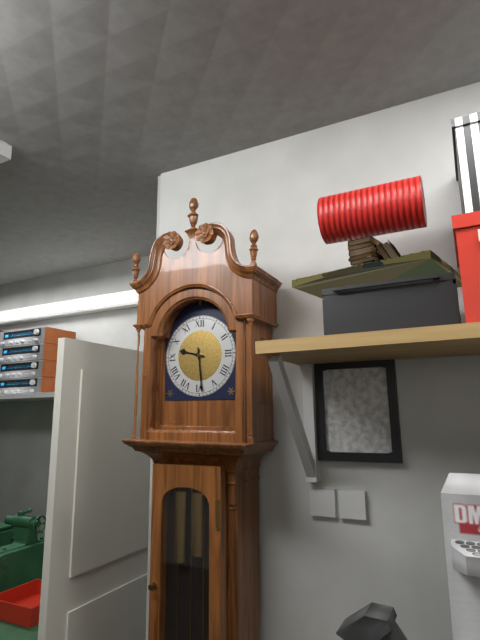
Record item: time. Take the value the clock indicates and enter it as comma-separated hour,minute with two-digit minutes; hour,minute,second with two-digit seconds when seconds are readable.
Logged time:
9,29
